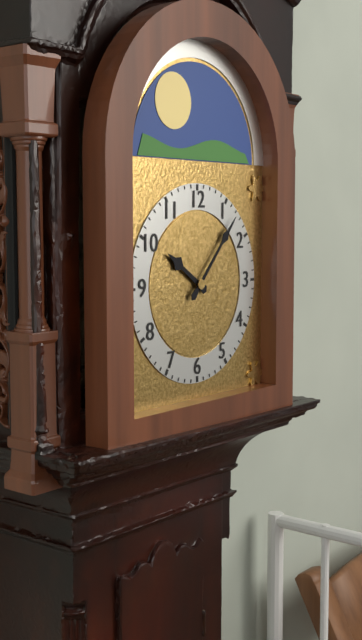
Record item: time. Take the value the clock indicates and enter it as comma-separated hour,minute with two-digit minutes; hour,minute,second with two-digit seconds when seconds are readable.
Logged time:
10,07
